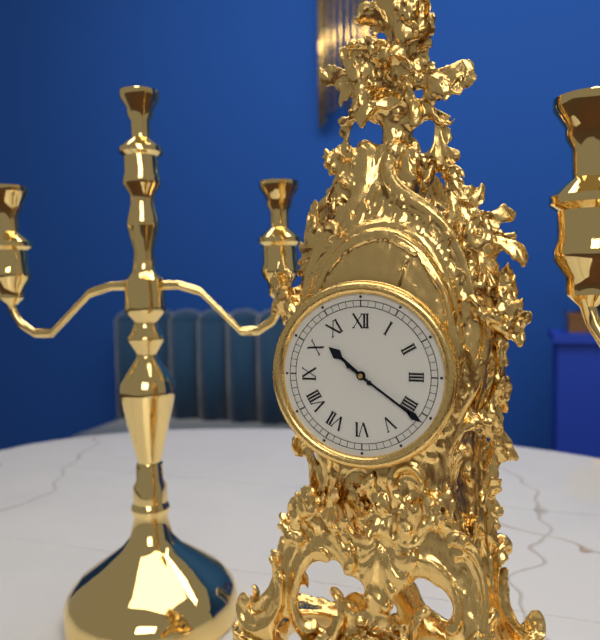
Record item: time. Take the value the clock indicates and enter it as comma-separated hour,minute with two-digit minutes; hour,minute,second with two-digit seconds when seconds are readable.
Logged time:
10,21
